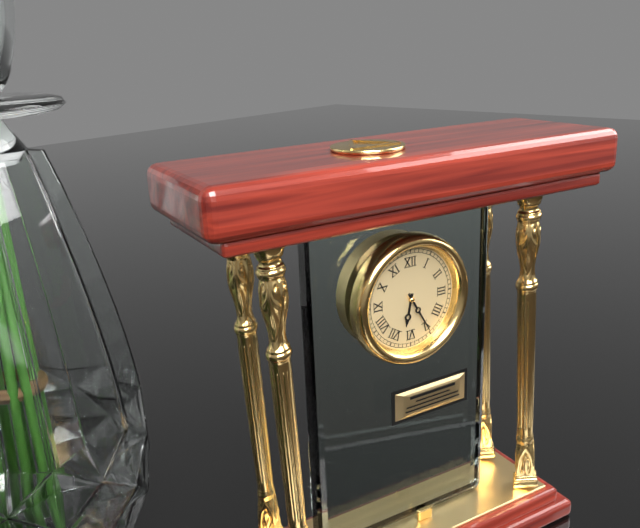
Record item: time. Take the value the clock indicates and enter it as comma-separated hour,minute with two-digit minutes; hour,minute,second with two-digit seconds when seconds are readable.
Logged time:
6,25
